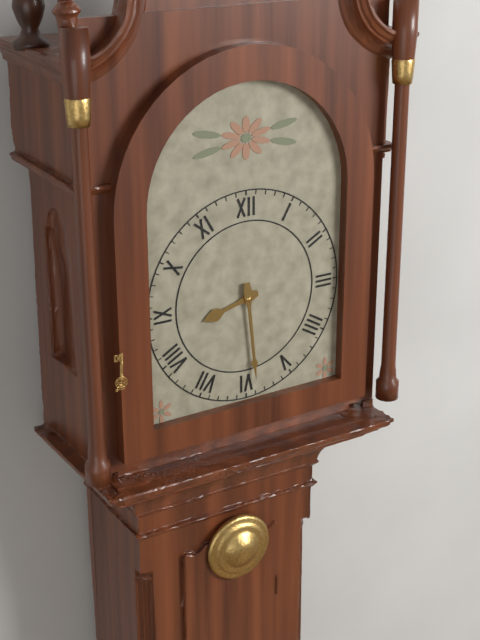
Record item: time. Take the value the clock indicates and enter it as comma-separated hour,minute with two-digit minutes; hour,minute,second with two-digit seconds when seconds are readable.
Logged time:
8,29
